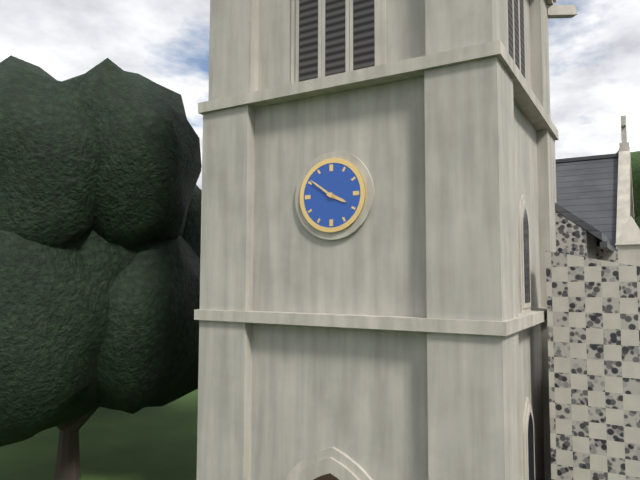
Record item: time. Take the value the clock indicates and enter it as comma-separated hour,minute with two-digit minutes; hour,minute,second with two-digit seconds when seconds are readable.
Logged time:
3,51
